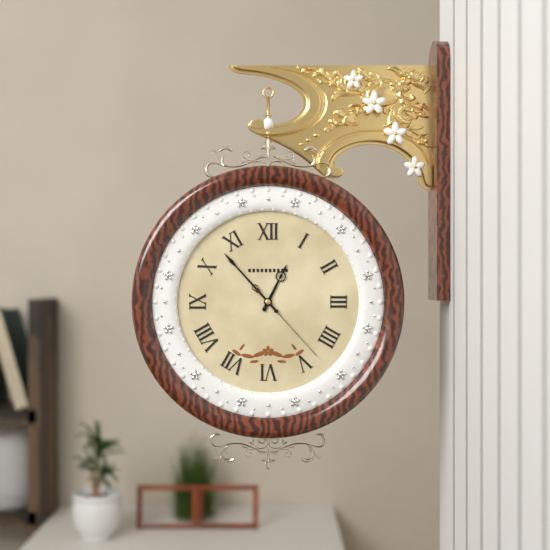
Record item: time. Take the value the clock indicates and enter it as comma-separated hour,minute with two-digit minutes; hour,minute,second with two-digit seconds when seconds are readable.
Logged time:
12,53,23
